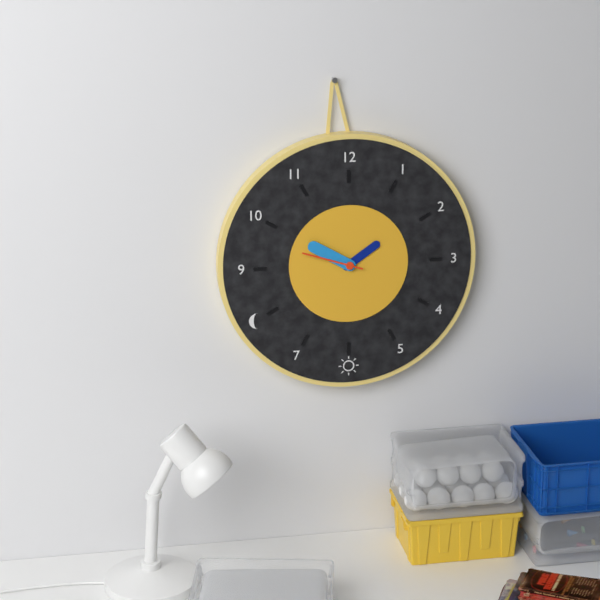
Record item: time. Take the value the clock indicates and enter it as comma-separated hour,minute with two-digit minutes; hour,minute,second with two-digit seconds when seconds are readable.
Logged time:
1,50,48
